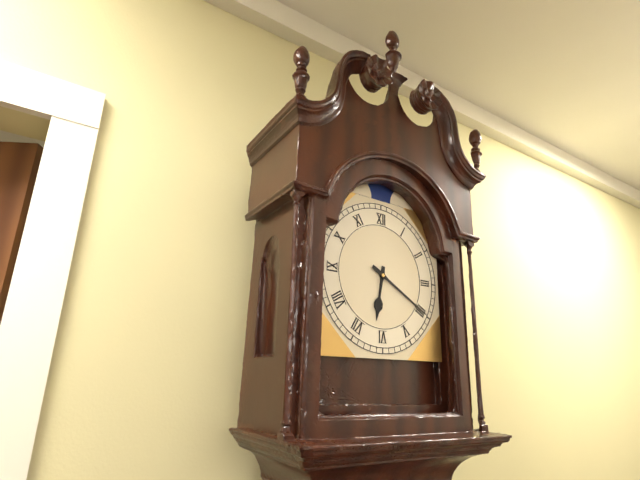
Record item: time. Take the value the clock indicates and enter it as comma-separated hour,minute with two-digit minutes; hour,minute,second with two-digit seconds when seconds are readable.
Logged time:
6,20
